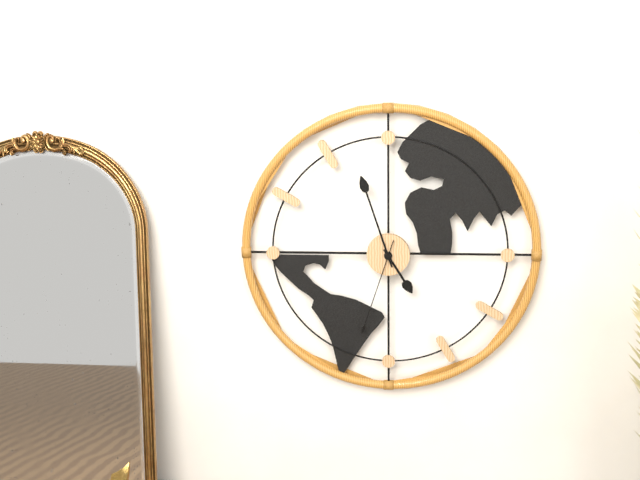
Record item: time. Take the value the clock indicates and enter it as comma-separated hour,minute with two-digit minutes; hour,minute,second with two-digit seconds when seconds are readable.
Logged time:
4,57,33
